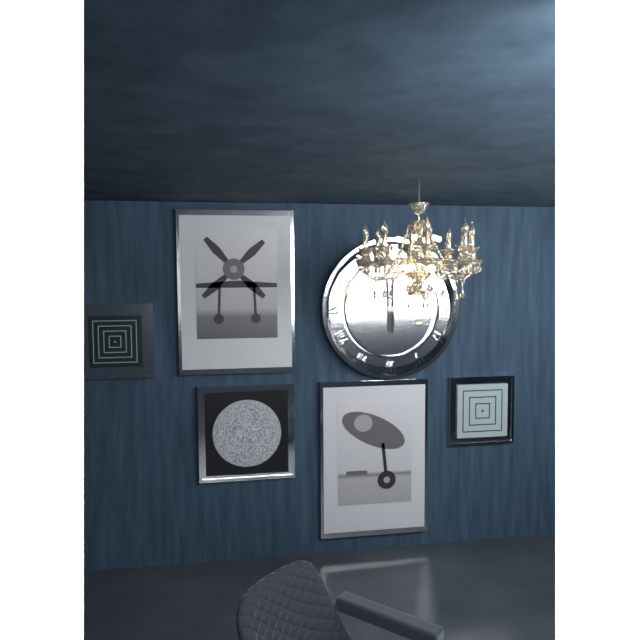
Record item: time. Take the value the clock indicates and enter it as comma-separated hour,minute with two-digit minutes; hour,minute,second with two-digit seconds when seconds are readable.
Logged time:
6,00
